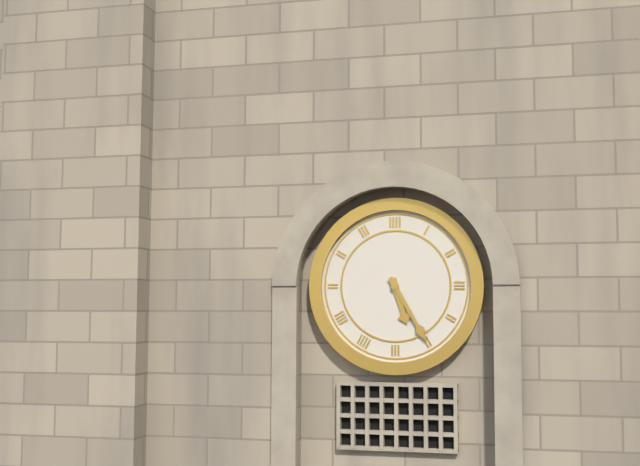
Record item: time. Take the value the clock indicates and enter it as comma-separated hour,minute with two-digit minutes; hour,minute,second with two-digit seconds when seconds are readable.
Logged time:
5,25
